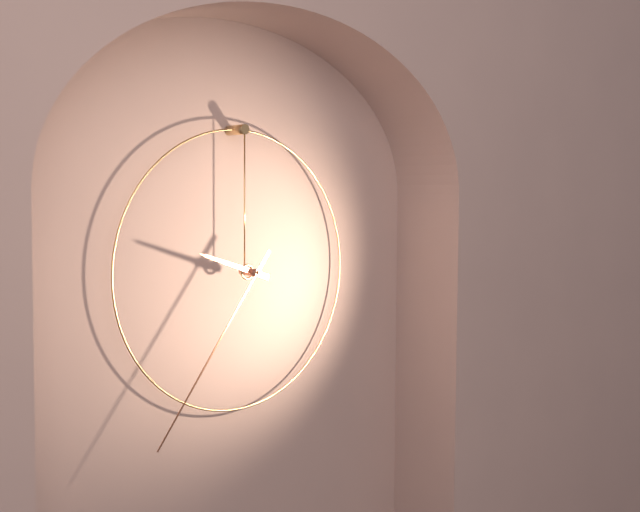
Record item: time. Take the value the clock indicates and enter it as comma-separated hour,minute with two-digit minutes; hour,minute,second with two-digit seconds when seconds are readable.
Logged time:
9,36
